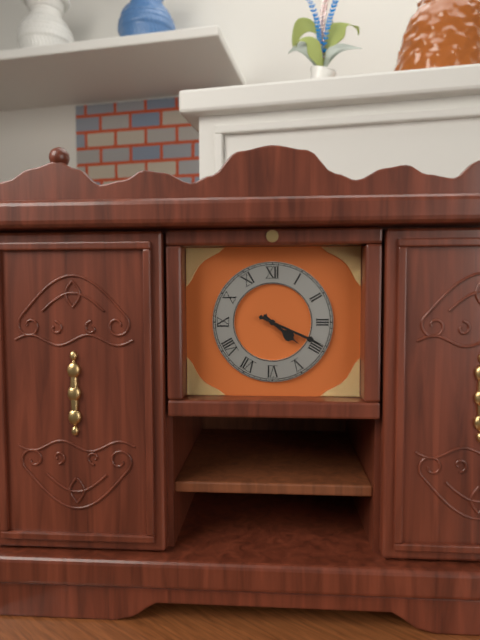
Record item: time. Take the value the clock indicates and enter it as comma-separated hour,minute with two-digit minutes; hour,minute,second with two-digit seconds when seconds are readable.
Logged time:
4,19
